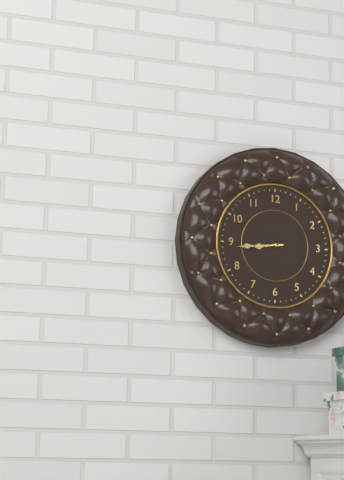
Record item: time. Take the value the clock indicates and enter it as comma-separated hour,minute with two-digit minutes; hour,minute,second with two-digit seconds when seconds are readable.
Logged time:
8,44
